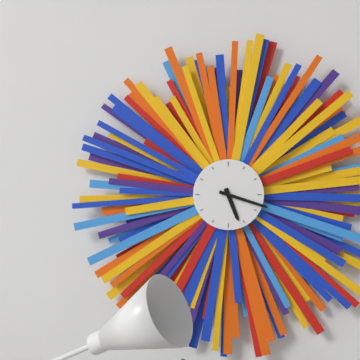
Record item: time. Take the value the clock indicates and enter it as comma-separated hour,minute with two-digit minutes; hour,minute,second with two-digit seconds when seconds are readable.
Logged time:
5,18
